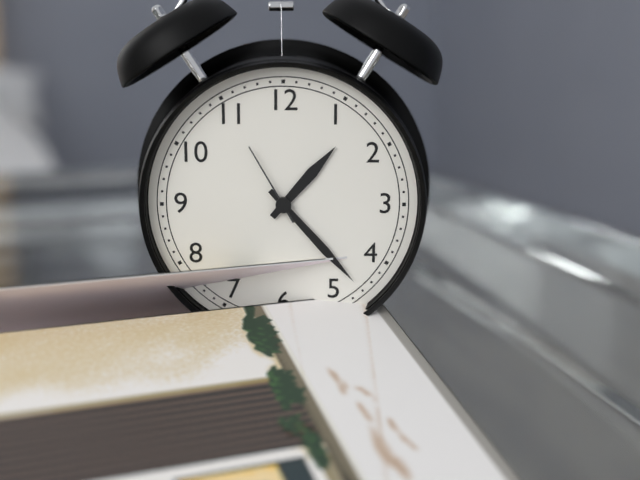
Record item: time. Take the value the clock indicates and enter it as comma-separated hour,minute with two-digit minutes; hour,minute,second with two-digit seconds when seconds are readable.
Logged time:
1,23,55
